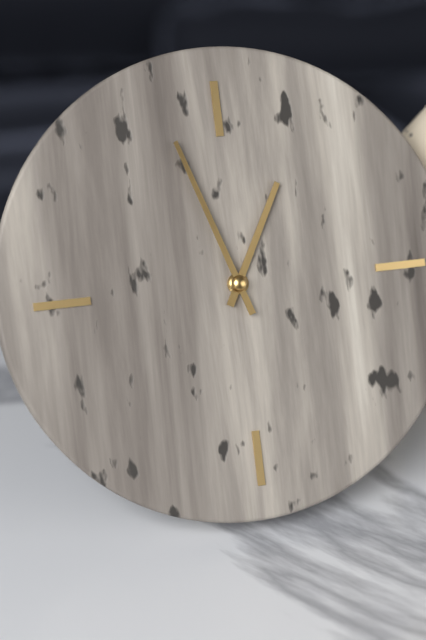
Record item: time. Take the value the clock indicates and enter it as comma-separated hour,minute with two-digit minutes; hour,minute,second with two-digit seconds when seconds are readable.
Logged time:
12,57
